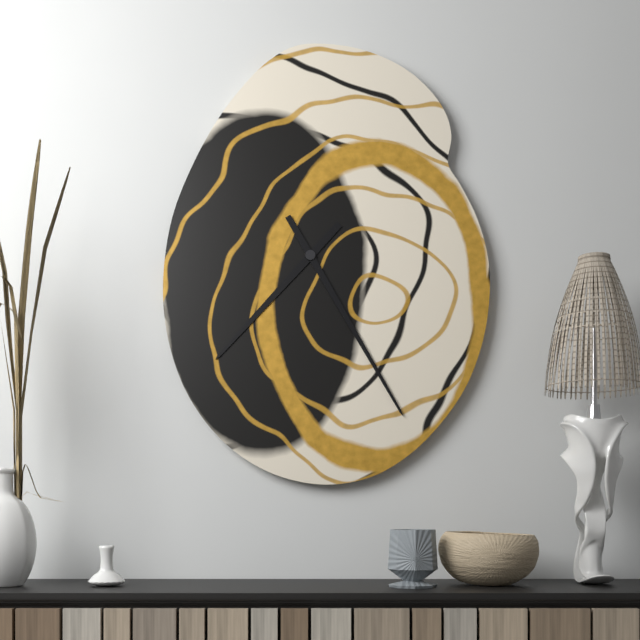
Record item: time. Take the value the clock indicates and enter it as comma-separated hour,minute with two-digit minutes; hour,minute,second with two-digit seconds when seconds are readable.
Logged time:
7,25
